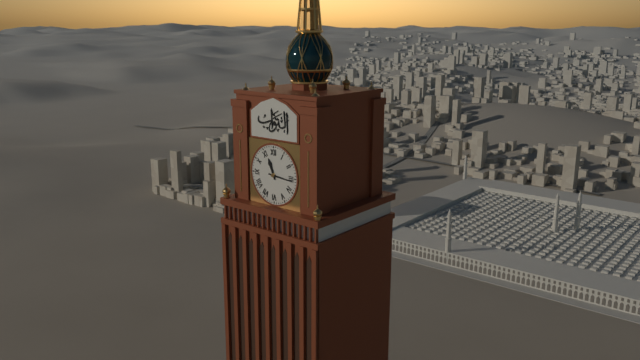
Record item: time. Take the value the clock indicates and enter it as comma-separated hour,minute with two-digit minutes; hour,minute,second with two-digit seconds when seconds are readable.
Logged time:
11,16
